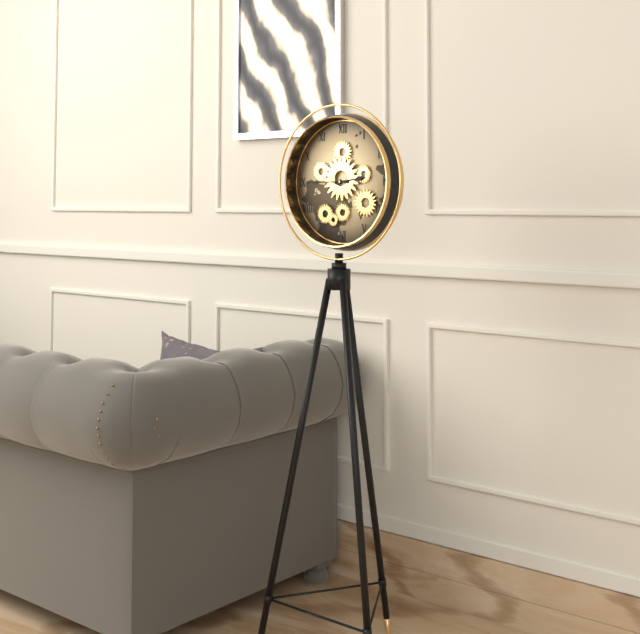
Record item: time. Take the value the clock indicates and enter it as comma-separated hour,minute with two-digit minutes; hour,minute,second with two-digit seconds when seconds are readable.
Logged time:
2,45
